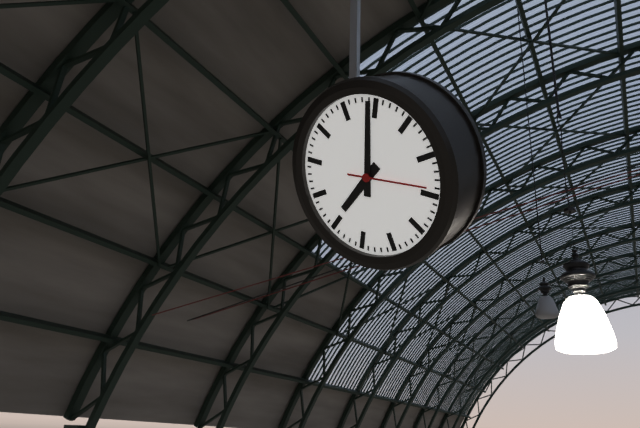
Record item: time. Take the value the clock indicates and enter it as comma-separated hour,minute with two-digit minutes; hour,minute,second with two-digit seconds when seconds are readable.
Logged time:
8,04,19
